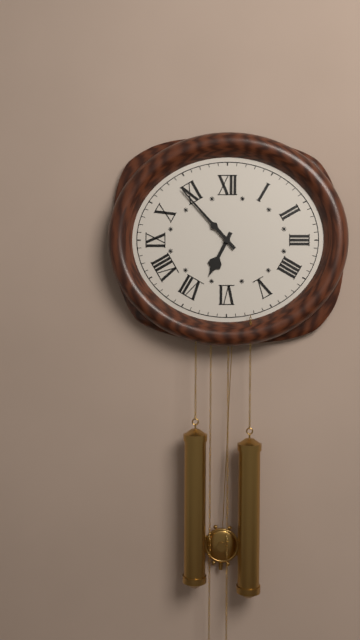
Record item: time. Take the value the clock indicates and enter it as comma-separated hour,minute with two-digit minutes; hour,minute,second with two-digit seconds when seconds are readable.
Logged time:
6,53
